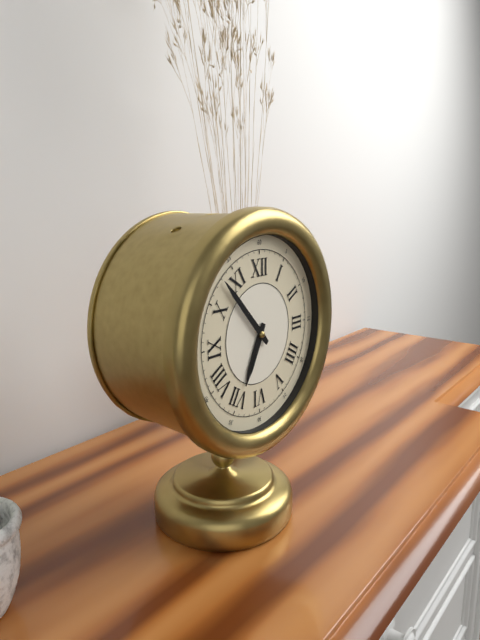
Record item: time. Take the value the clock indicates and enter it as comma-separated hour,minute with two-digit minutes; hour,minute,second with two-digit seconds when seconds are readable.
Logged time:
6,53
